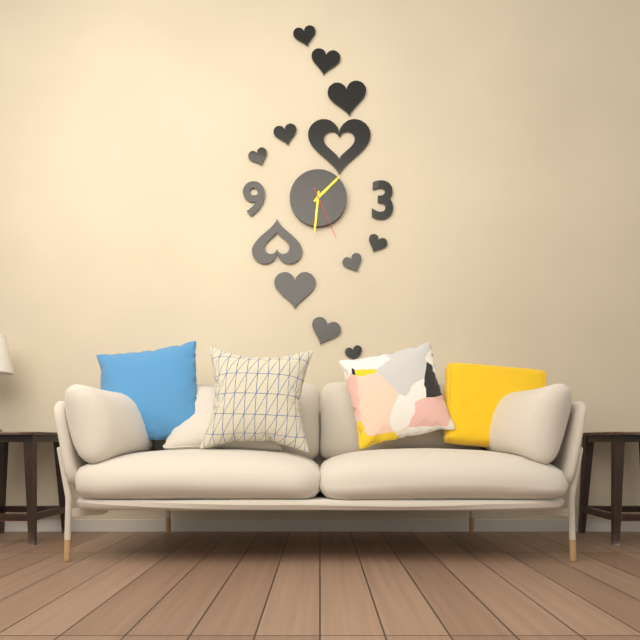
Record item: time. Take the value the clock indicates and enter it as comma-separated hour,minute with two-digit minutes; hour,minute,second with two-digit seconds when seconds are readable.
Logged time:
1,31,26
